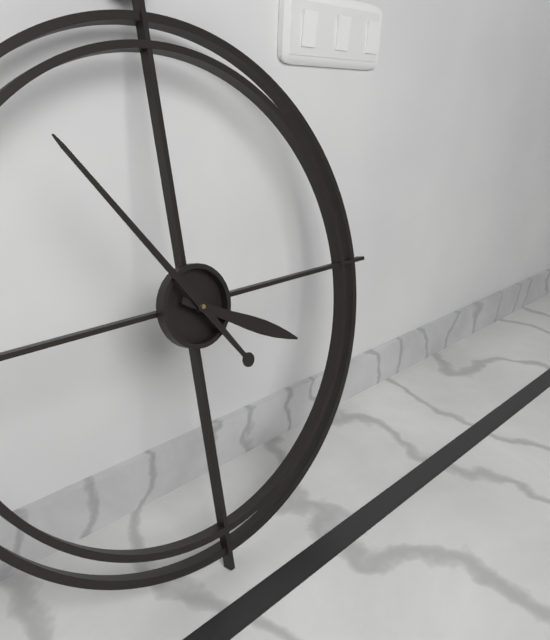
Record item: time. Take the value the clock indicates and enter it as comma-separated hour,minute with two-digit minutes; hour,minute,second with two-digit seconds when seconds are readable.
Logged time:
3,54
